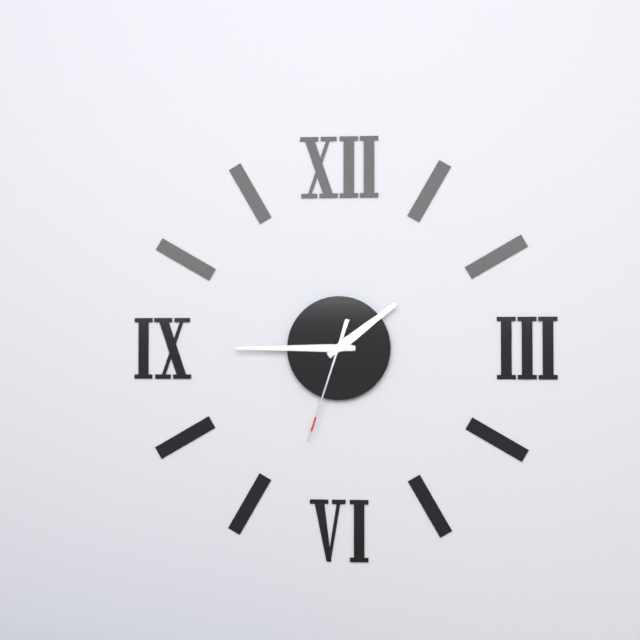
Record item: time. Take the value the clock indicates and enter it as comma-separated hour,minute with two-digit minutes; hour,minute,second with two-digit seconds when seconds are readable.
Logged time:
1,45,33
